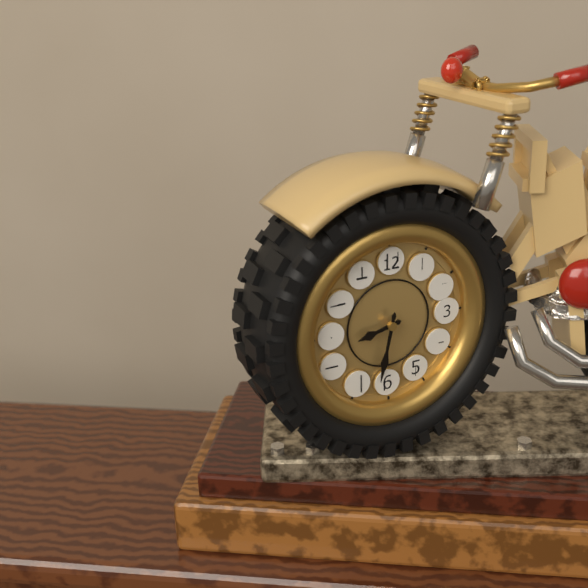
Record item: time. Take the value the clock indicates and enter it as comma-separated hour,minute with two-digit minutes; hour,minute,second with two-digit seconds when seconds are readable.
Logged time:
8,32
